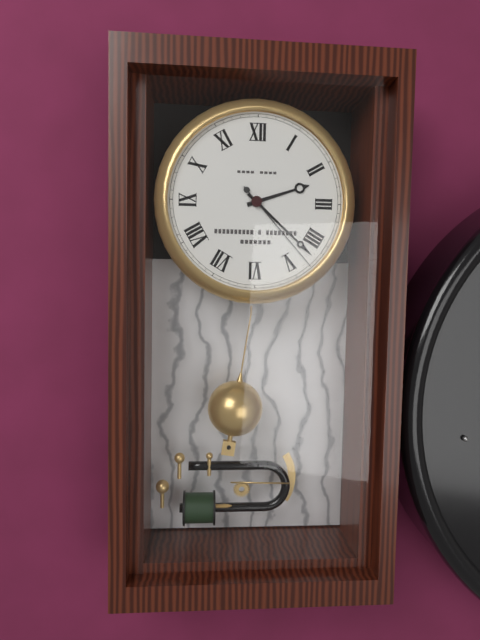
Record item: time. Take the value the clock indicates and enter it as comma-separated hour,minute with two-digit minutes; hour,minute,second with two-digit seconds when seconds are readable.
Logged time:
2,22,23
